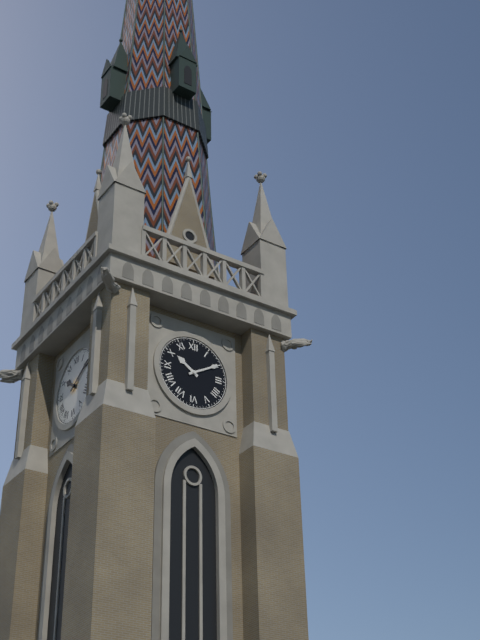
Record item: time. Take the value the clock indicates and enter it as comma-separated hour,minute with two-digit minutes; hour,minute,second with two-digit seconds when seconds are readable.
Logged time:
10,10
